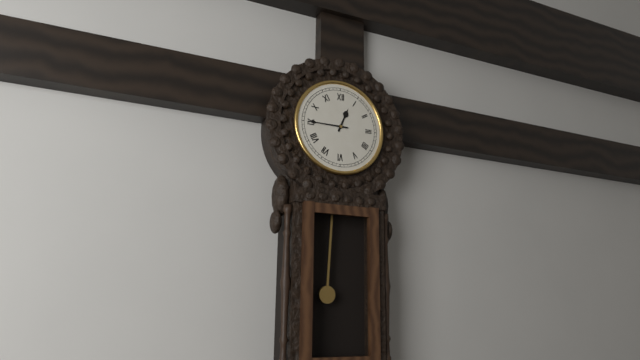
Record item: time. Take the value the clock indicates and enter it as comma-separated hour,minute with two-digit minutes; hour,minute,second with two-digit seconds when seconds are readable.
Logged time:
12,45
